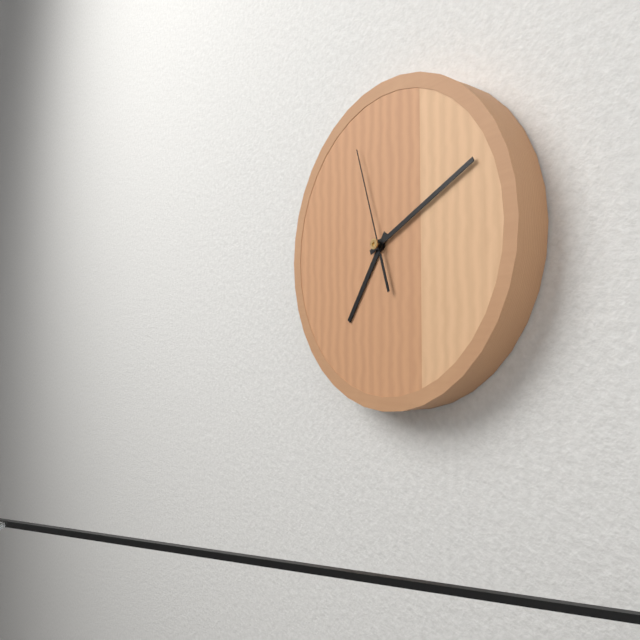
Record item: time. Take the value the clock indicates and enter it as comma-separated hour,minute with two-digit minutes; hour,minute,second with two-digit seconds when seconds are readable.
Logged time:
7,11,57
